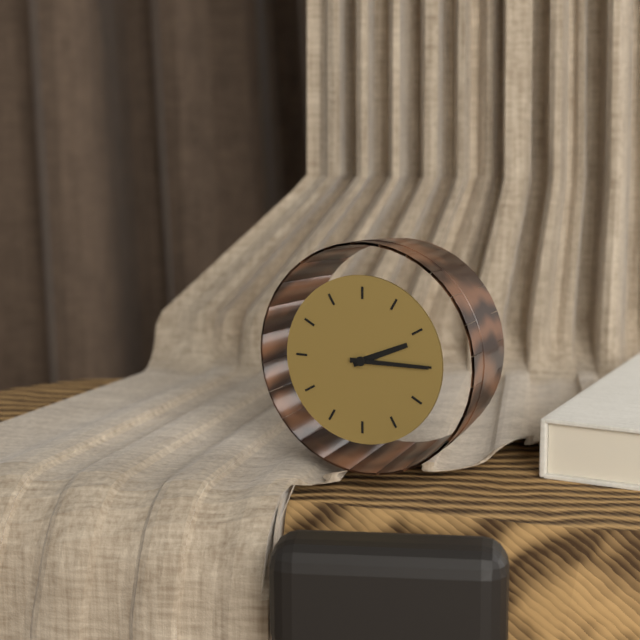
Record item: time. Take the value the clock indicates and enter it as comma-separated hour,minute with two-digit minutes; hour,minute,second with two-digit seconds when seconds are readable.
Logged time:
2,15
